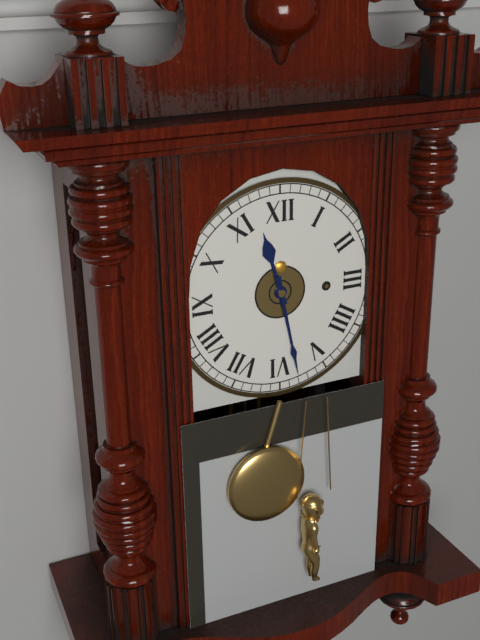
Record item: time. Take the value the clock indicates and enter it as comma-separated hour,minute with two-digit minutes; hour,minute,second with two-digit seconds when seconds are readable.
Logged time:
11,28
